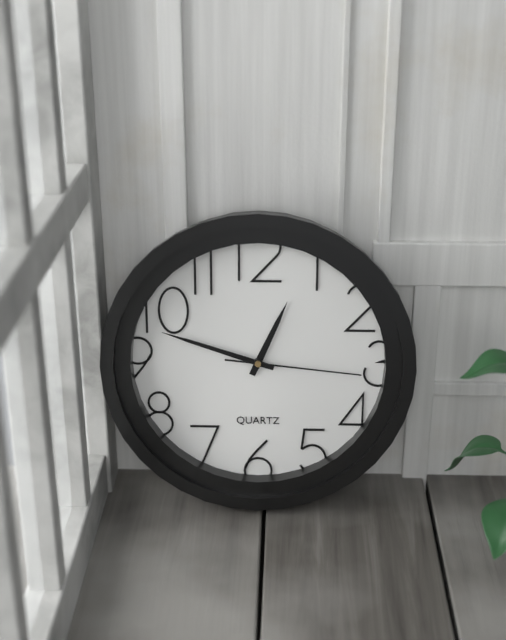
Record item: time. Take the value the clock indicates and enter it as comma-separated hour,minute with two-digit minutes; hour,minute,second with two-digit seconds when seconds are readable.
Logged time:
12,48,16
